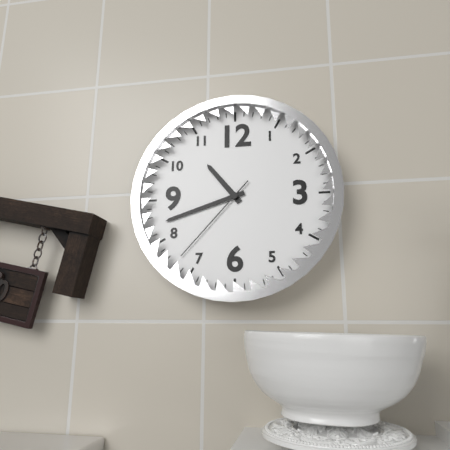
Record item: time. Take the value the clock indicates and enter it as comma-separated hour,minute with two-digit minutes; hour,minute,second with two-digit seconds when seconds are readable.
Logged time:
10,42,37
